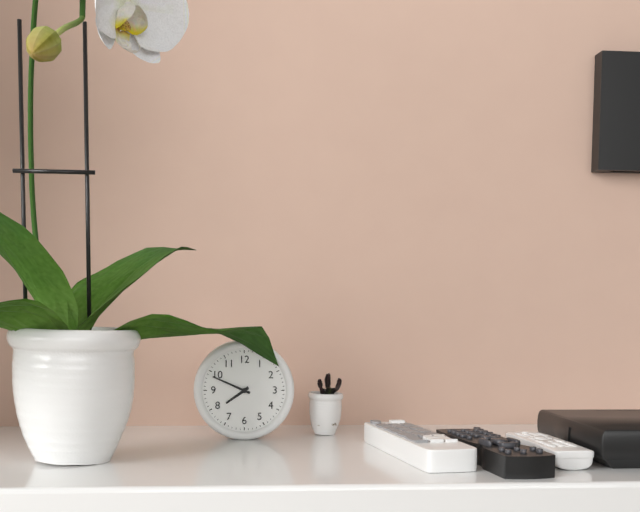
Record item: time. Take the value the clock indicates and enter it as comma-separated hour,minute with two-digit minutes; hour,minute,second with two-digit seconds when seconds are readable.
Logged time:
7,49
